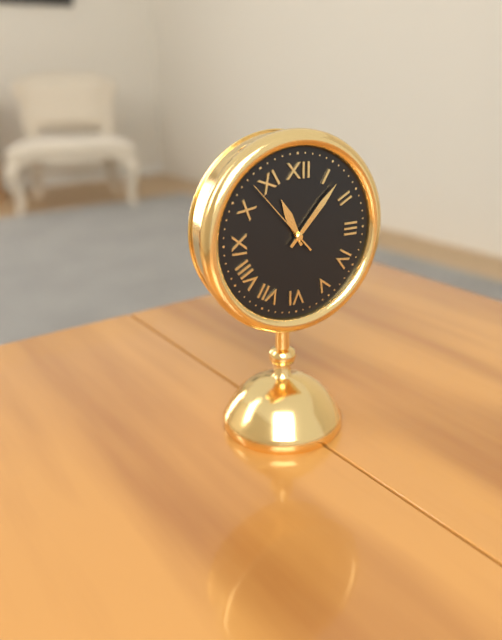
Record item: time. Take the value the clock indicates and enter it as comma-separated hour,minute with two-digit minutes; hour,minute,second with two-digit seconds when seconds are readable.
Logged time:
11,07,53
